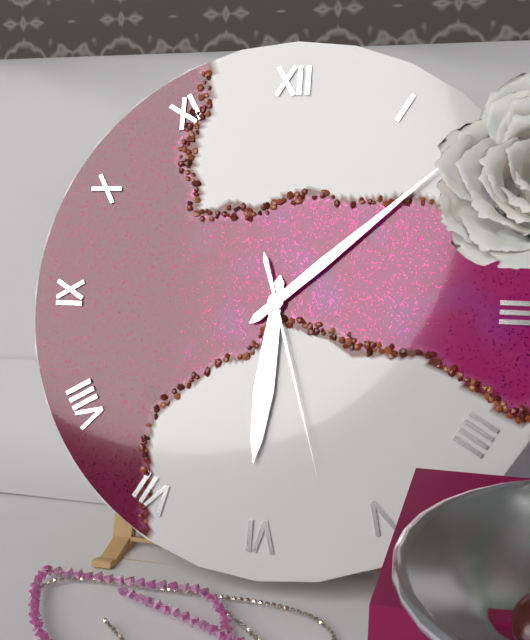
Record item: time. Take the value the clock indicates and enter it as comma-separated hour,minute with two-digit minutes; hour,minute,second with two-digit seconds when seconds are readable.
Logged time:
6,08,27
